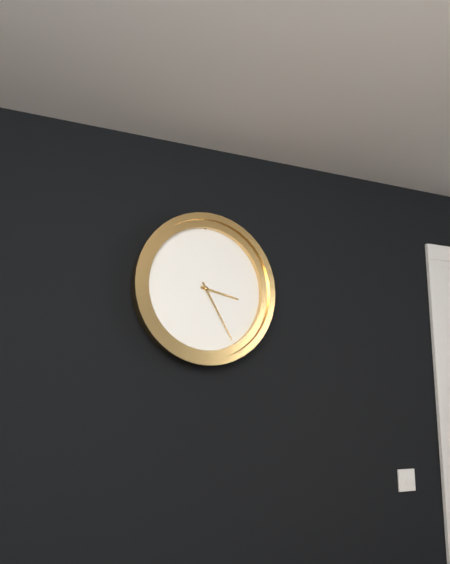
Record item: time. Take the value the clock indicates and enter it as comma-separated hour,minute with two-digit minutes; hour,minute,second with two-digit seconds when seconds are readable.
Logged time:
3,25
